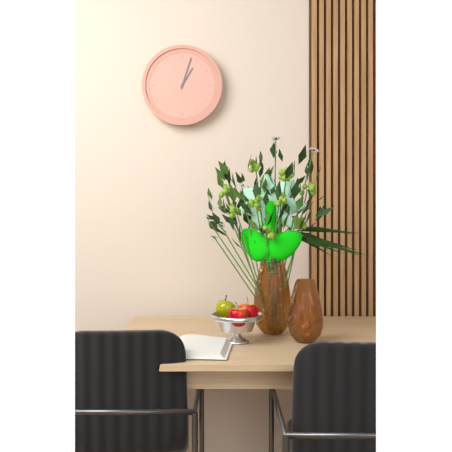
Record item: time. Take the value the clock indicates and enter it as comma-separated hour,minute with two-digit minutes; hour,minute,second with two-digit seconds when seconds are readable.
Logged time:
1,03
